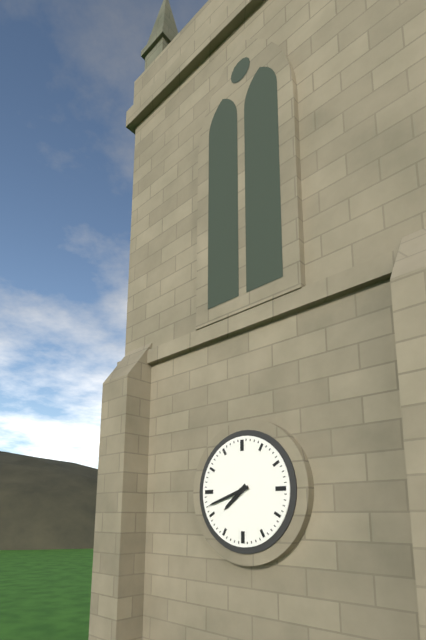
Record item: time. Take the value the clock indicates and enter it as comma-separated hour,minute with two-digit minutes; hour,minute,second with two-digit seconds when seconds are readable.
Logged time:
7,42
